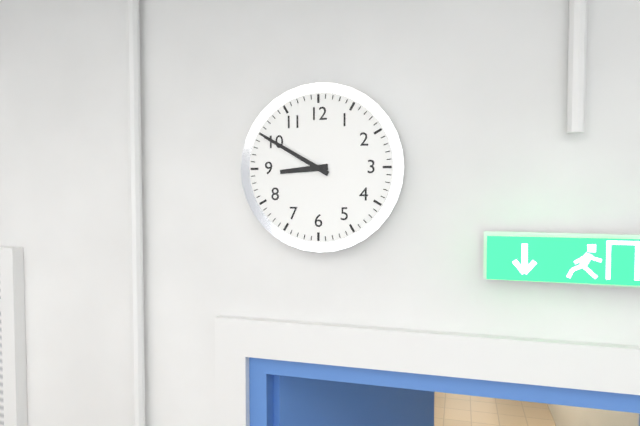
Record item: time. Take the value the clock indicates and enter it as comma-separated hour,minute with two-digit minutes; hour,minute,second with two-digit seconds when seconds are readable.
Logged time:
8,50
